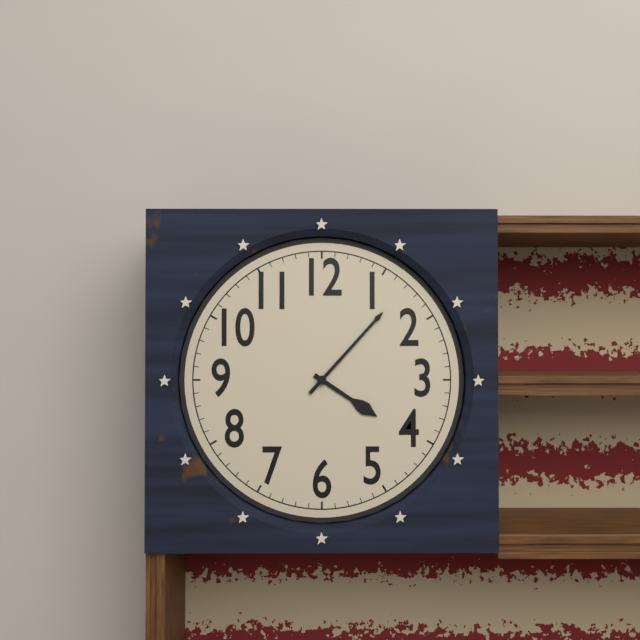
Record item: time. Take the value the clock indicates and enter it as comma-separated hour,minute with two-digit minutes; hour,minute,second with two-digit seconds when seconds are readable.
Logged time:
4,07
